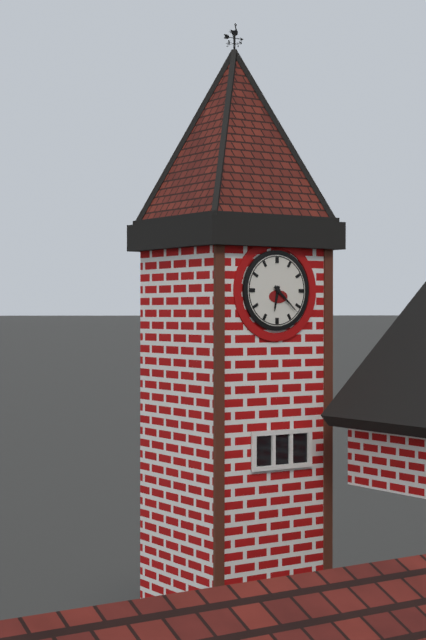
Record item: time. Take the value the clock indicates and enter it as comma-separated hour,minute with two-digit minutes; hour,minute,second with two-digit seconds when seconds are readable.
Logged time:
6,22
